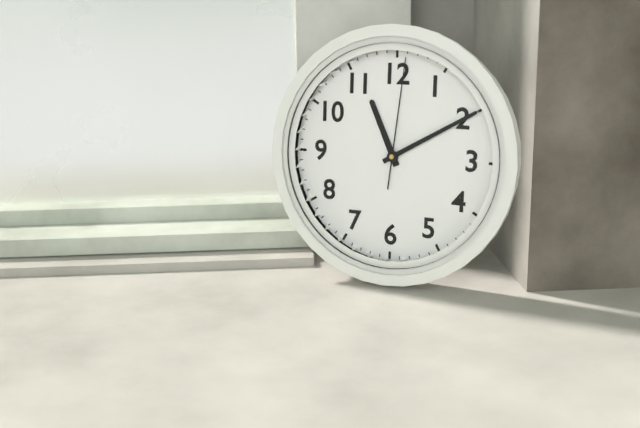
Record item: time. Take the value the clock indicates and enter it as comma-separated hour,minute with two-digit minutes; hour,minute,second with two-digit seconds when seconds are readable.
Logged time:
11,10,01
